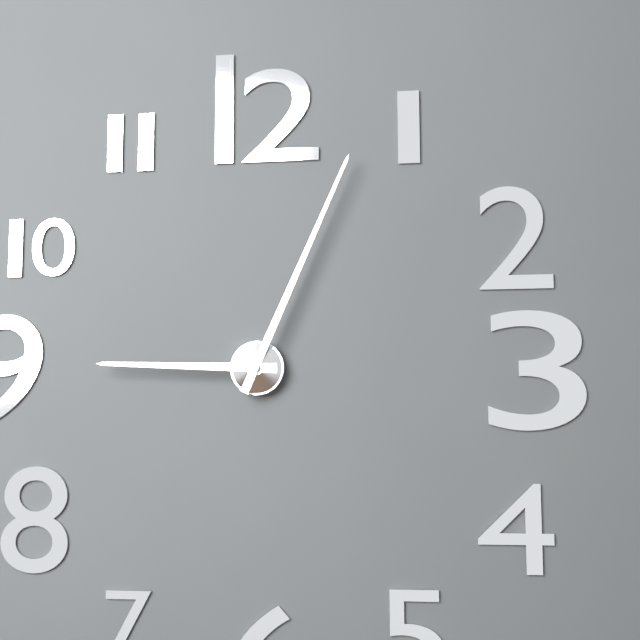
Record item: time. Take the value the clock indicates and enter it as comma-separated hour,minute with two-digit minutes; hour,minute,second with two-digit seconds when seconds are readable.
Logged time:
9,04
